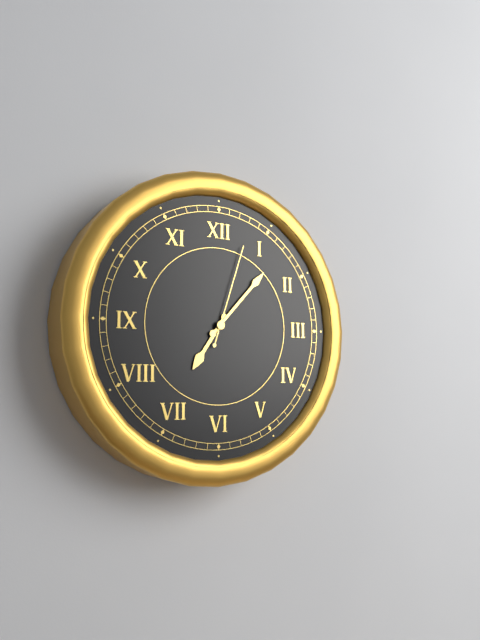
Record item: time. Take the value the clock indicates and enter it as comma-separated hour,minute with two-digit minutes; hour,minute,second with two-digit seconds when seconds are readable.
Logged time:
7,07,03
